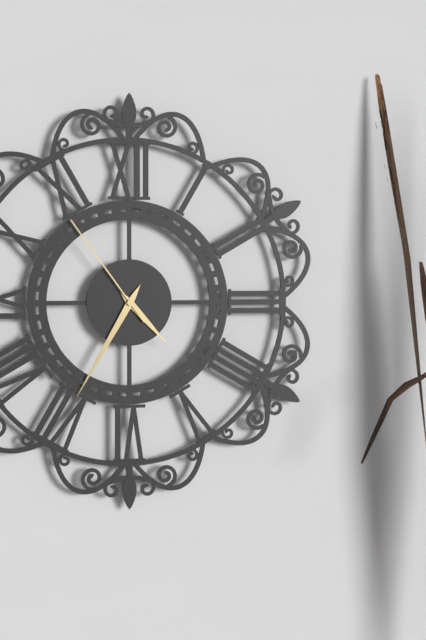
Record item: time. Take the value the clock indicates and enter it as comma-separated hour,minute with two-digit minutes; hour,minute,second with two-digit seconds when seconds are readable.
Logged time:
4,35,54
